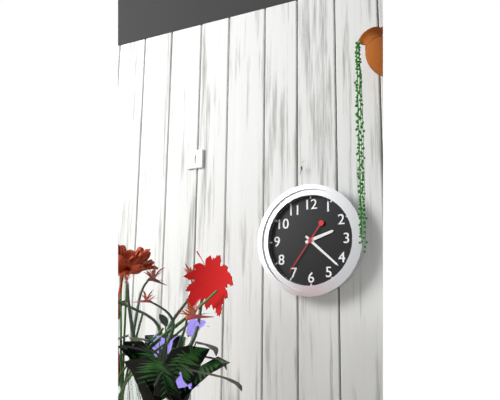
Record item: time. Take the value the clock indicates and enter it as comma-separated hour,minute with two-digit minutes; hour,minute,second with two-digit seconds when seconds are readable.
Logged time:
2,22
